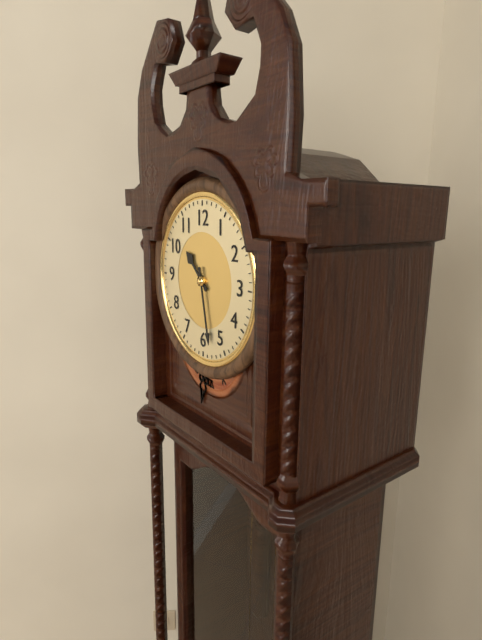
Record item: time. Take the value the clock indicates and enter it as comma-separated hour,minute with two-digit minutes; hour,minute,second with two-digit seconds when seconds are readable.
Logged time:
10,28
